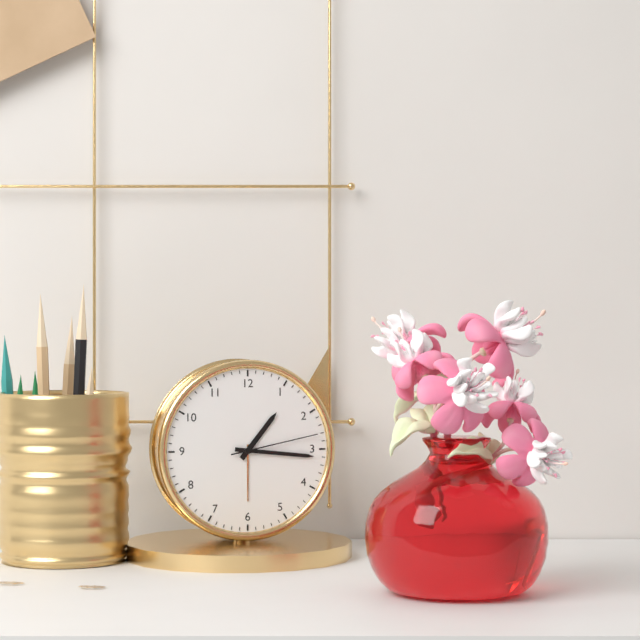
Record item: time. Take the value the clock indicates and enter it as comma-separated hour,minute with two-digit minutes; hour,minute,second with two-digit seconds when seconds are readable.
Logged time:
1,16,13
